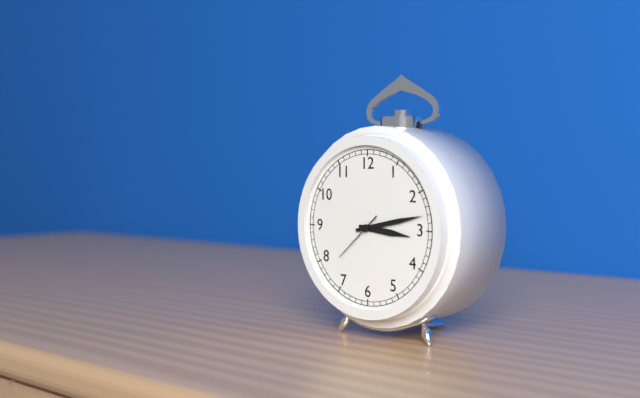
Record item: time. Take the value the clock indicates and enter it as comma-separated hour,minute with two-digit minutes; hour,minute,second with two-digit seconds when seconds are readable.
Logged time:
3,13,38
